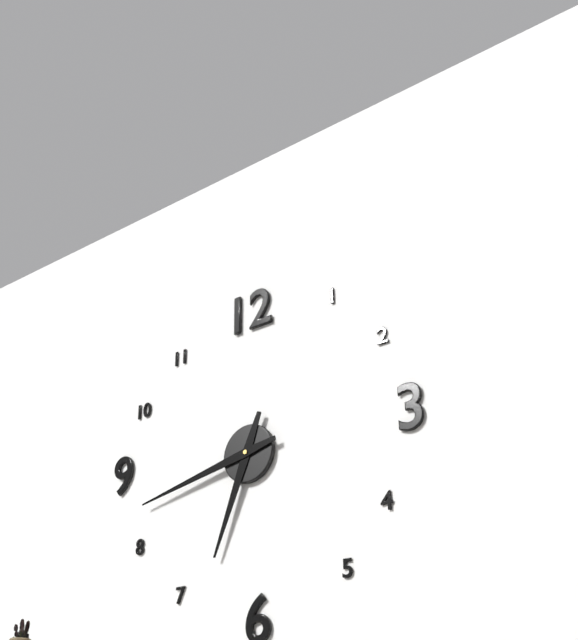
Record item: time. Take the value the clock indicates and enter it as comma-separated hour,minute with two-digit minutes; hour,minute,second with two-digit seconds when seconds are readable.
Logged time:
6,43
